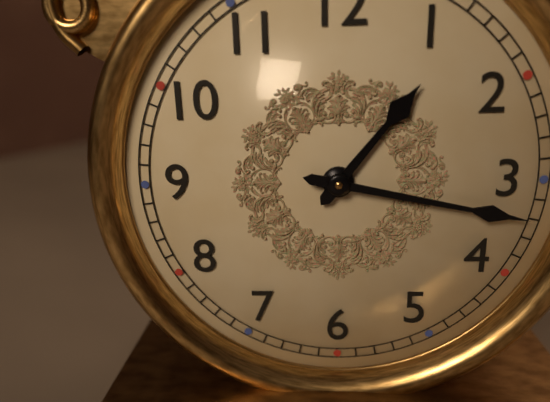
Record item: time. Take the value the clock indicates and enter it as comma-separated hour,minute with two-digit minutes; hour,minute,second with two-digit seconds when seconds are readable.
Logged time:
1,17
